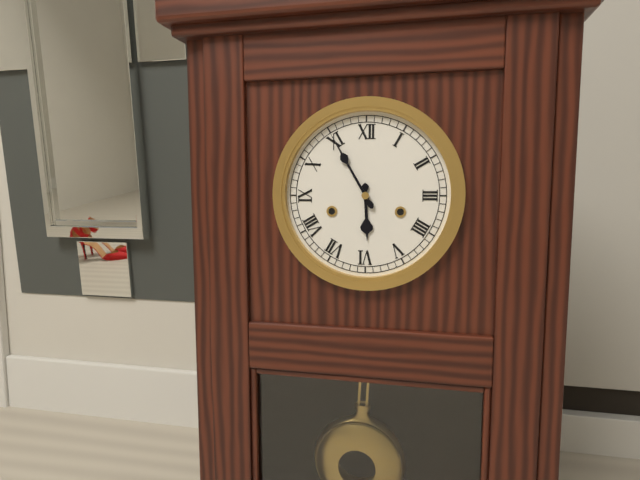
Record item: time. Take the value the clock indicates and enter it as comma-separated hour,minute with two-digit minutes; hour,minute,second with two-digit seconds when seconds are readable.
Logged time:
5,55
